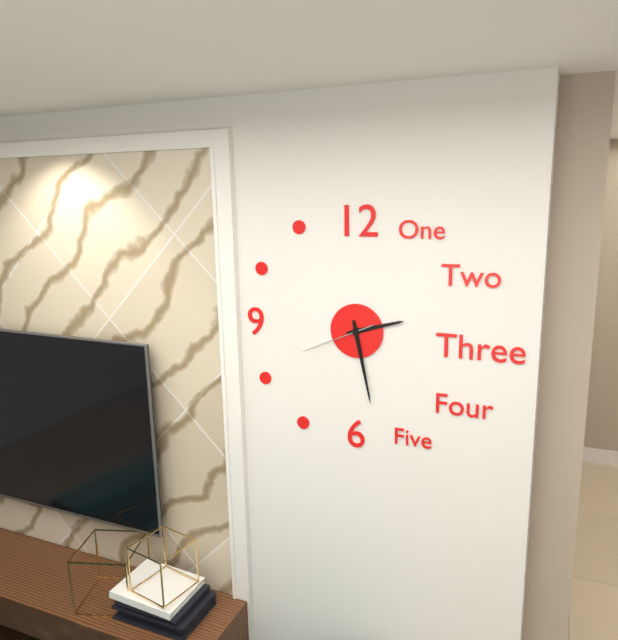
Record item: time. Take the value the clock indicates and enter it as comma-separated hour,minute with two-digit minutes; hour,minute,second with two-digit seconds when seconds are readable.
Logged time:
2,28,41
